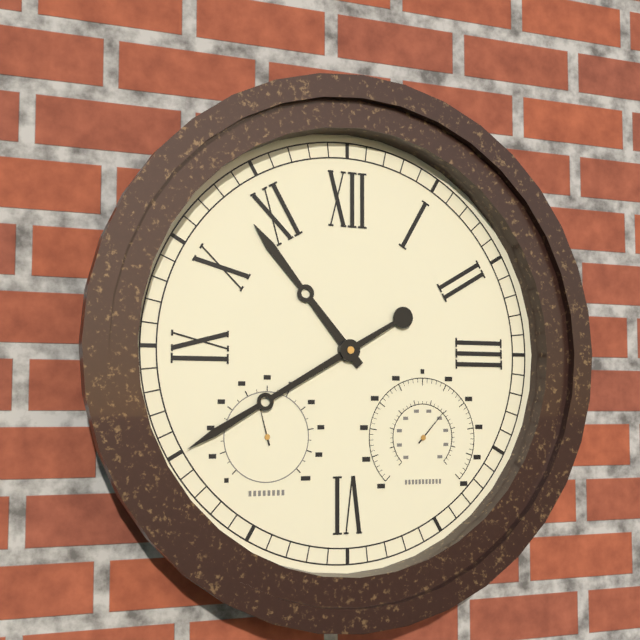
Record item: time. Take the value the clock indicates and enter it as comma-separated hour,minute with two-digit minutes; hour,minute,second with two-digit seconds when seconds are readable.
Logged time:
10,40
